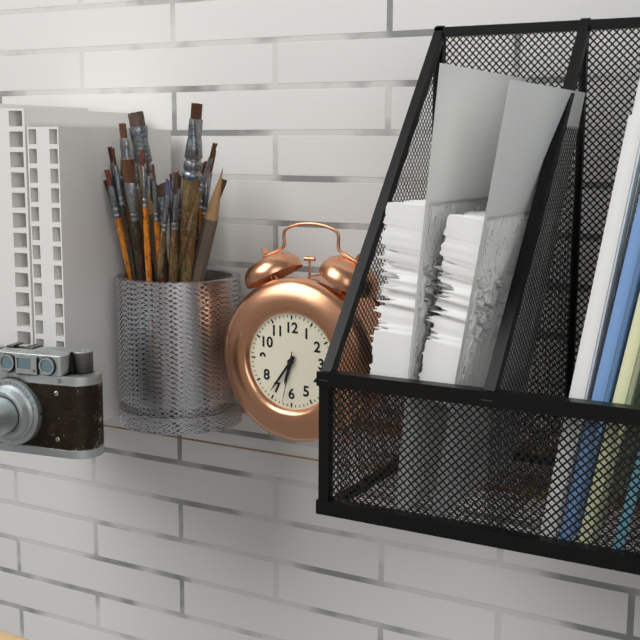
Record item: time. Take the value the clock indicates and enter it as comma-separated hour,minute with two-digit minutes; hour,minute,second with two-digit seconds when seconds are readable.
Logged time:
6,36,32
